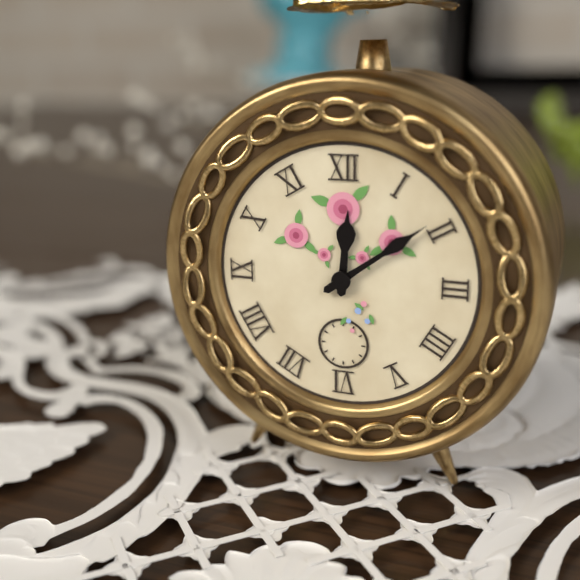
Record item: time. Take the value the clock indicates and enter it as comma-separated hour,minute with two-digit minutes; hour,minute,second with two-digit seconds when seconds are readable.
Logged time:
12,09
